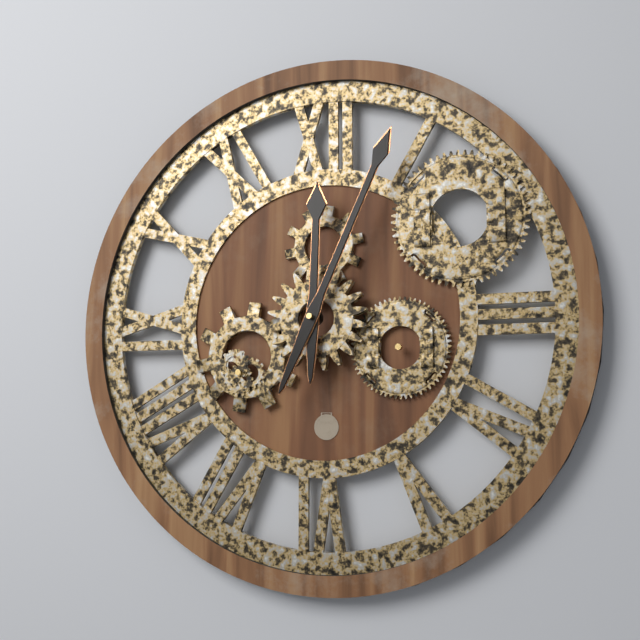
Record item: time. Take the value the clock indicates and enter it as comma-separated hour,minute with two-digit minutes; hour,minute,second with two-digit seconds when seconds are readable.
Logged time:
12,04
